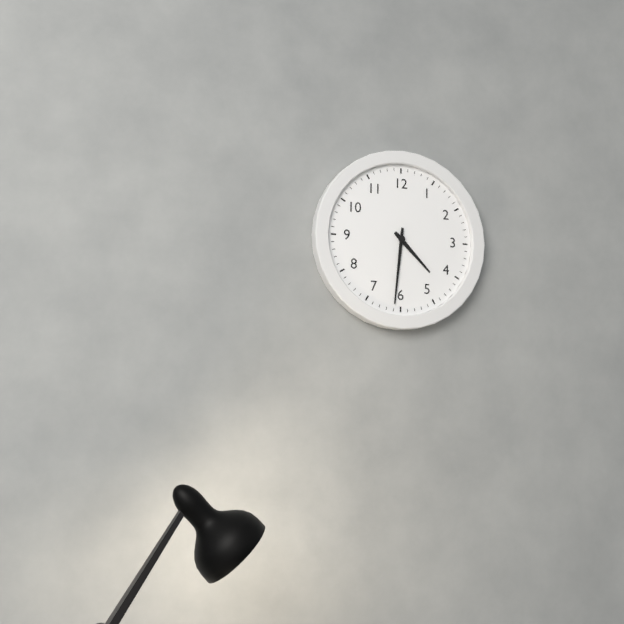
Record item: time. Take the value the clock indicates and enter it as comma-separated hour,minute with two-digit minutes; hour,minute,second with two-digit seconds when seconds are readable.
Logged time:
4,31
